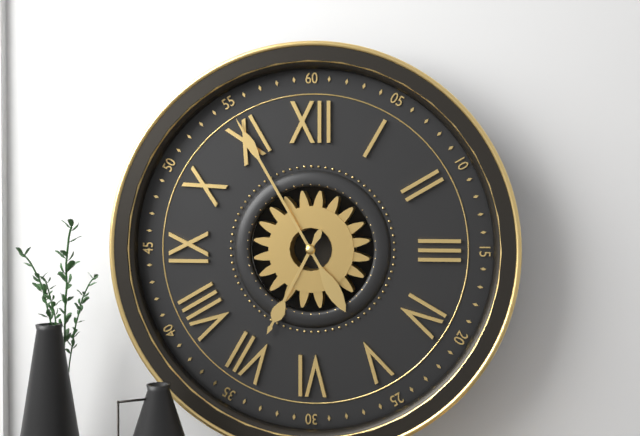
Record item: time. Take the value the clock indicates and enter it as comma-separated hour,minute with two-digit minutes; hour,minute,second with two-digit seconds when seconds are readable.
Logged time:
6,55
